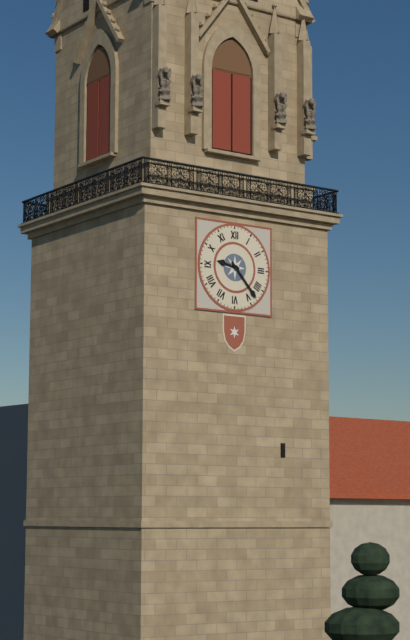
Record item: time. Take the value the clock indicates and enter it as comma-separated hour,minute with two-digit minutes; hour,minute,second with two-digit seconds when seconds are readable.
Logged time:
9,23
